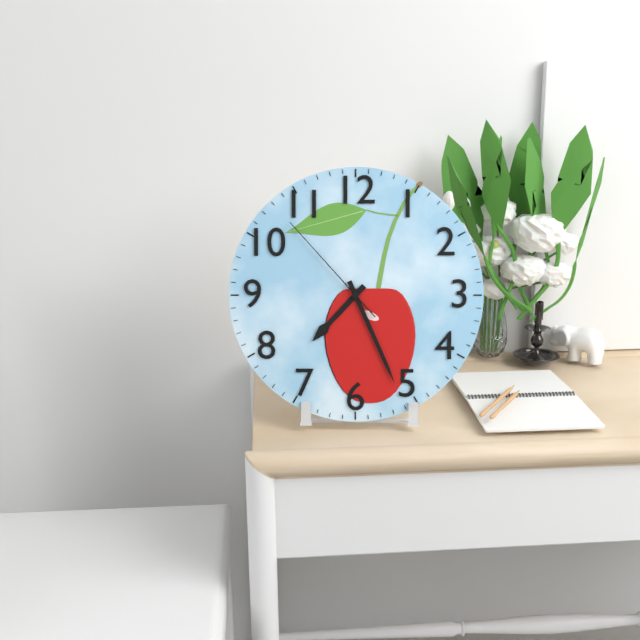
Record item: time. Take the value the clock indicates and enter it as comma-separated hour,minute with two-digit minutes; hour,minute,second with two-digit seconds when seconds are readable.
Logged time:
7,26,53
